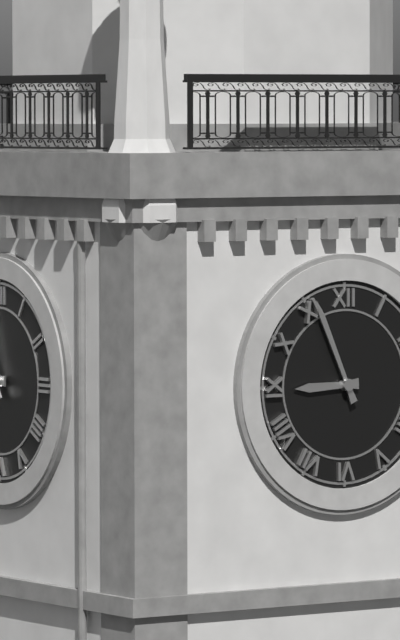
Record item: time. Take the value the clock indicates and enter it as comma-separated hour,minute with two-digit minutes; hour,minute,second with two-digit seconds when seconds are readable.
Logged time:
8,56
